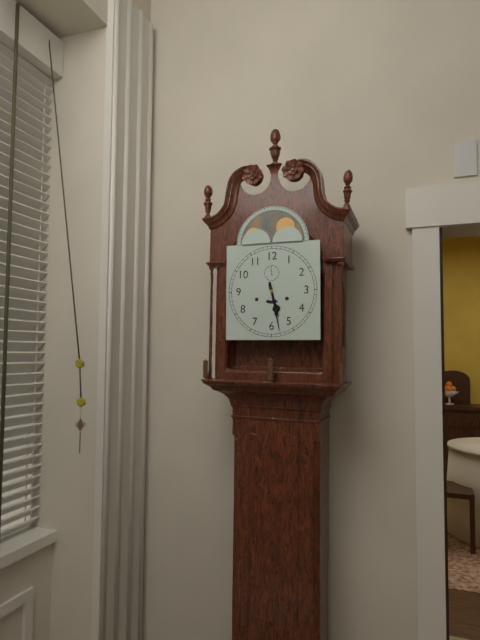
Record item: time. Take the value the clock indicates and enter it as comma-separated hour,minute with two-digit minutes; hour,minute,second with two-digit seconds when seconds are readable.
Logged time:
5,28
